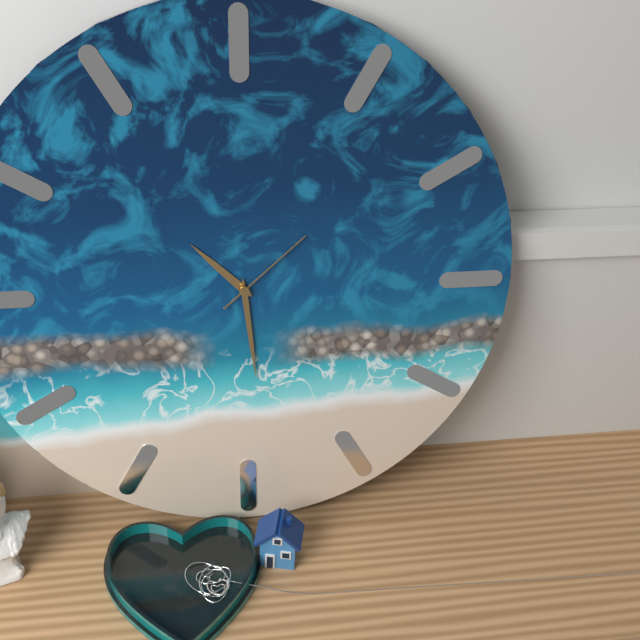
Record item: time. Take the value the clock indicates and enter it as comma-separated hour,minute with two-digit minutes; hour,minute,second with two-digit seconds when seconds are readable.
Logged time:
10,29,08
